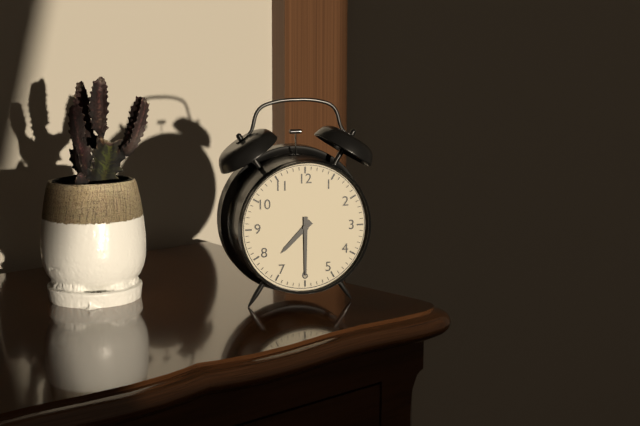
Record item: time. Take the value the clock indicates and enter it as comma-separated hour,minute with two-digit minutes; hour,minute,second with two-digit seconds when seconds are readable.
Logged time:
7,30
